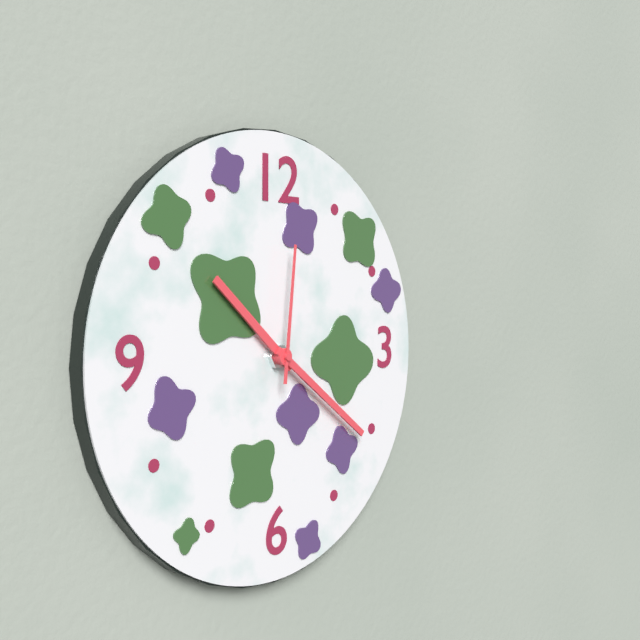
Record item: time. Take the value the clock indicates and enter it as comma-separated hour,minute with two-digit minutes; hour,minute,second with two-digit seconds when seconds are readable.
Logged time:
10,21,01
